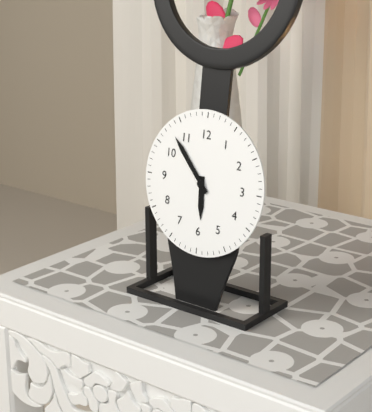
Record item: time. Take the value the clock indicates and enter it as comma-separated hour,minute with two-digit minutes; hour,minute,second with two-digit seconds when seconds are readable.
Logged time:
5,53
